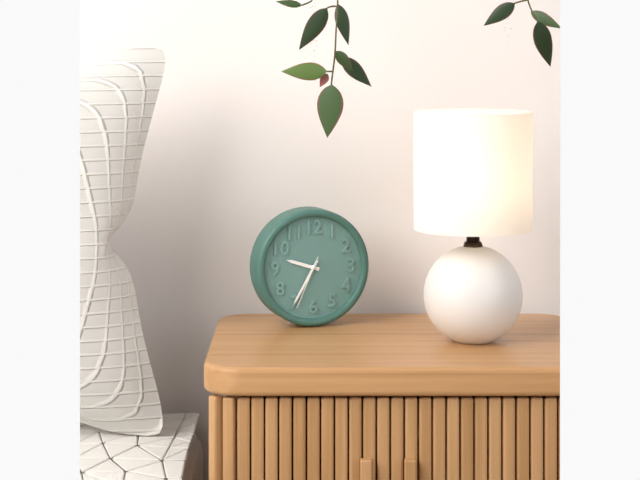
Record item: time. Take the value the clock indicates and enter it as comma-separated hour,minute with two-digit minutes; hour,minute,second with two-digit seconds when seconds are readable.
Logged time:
9,35,34
